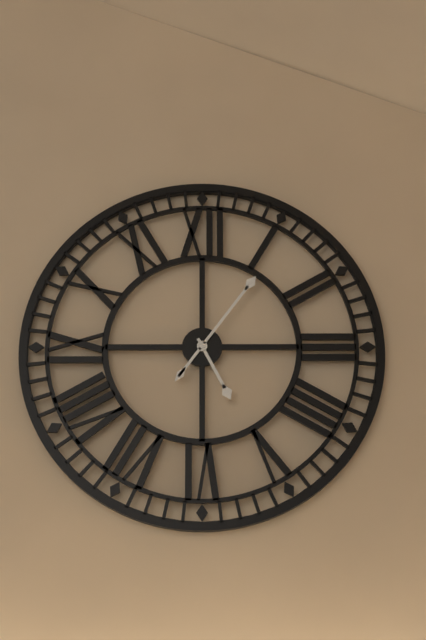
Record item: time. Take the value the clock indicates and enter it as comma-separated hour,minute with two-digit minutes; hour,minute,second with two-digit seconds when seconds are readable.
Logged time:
5,06
